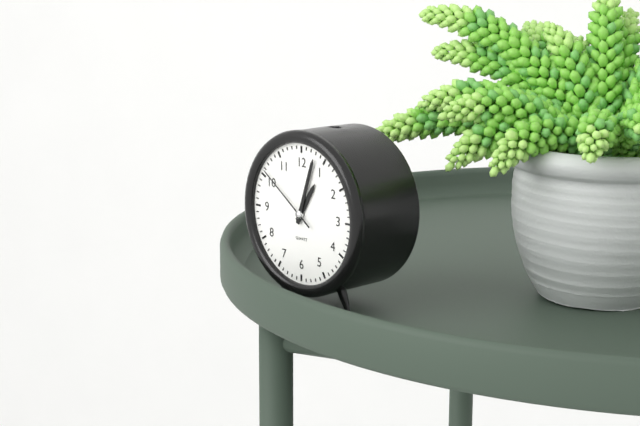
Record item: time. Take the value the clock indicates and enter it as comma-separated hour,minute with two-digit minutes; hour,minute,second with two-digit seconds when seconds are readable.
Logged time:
1,03,51
